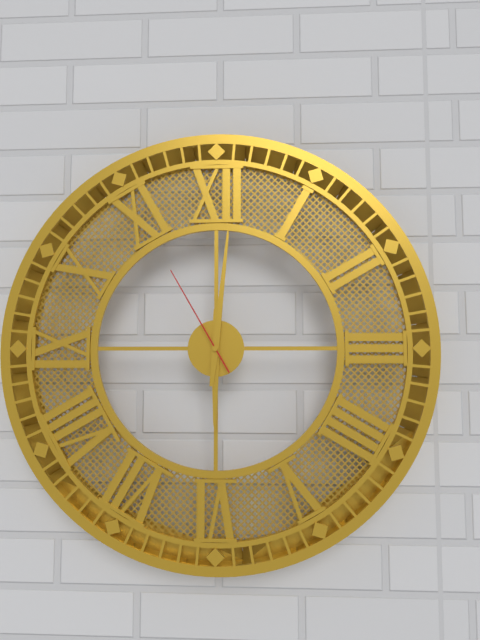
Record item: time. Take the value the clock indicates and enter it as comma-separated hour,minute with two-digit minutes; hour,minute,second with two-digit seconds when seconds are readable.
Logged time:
6,01,55
